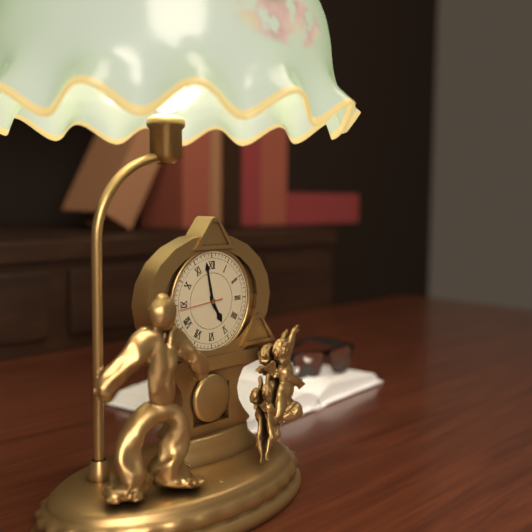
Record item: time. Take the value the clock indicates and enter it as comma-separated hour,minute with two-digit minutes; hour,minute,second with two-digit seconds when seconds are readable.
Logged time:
4,58
